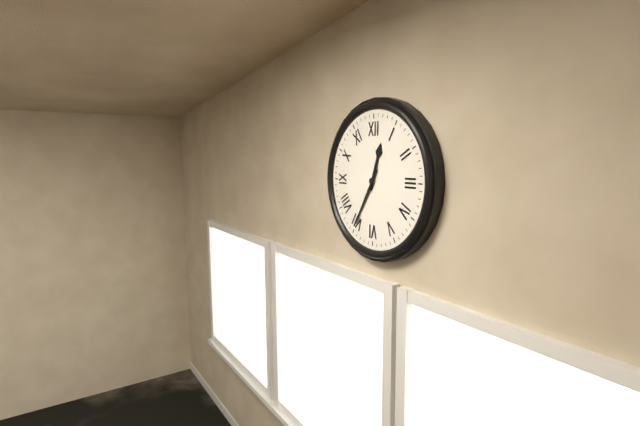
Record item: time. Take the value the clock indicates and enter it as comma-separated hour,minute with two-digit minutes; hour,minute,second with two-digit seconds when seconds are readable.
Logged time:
12,35
